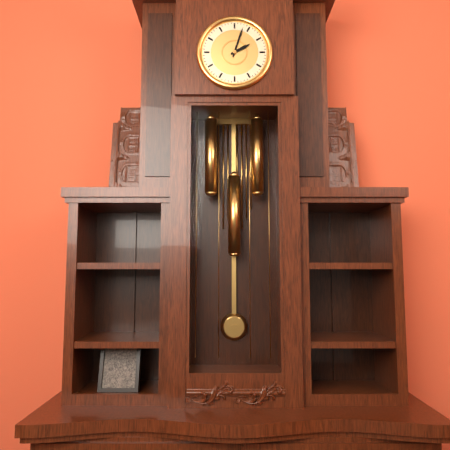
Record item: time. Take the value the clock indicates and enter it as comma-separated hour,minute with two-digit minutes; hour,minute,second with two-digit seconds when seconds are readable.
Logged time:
2,03
